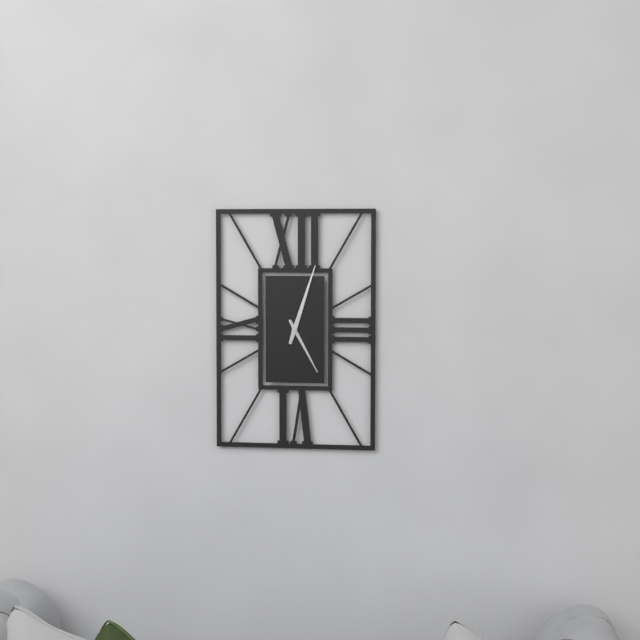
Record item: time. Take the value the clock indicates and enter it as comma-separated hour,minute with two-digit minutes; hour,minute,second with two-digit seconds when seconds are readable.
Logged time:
5,03
